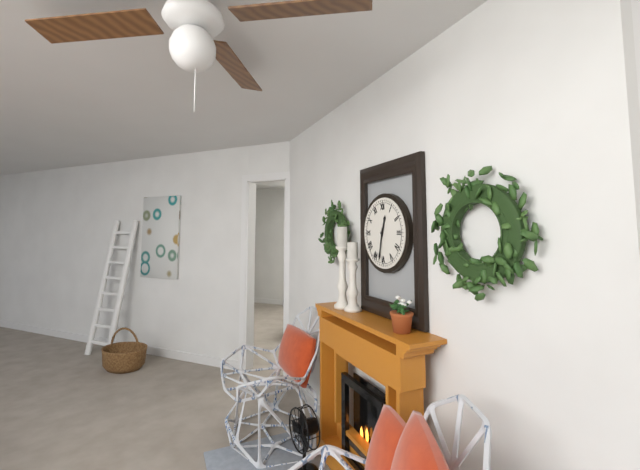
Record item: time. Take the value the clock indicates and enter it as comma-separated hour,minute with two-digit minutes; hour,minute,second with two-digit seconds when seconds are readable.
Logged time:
12,32
